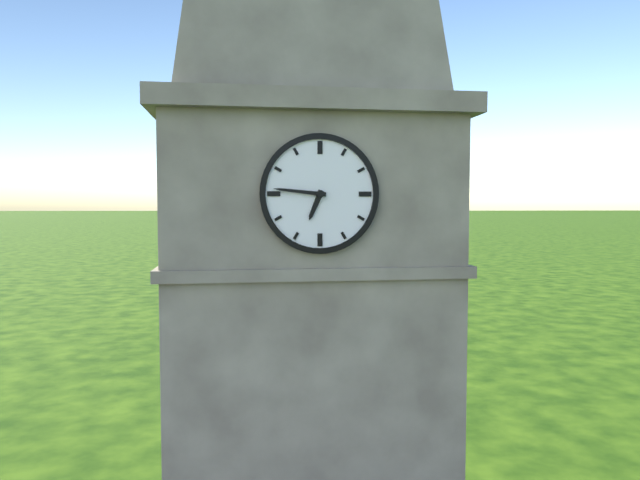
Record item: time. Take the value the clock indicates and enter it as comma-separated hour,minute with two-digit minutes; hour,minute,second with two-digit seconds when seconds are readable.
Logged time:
6,46
